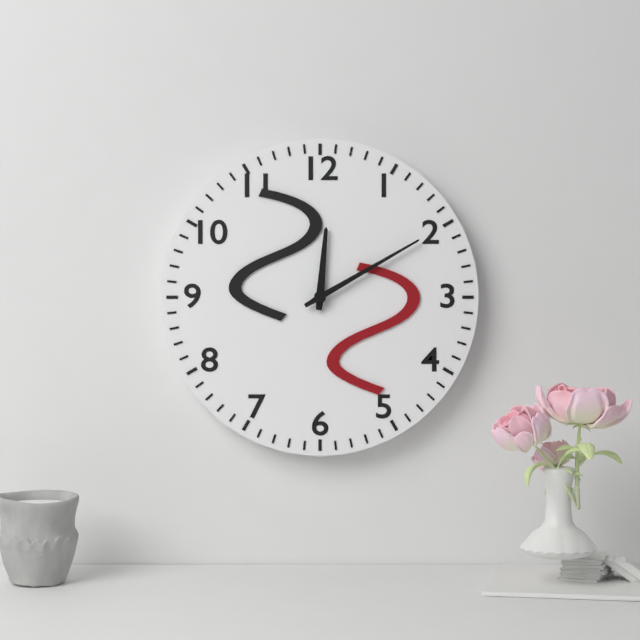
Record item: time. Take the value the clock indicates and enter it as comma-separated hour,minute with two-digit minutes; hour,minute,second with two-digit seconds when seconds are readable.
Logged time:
12,10
